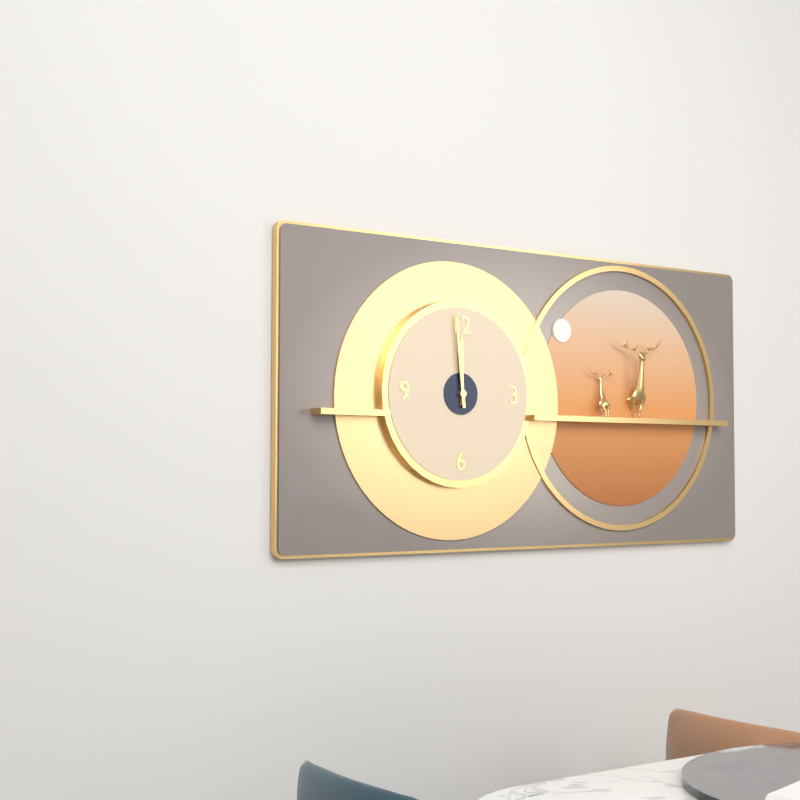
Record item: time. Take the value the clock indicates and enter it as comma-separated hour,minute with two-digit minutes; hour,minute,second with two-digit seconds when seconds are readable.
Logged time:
11,59
